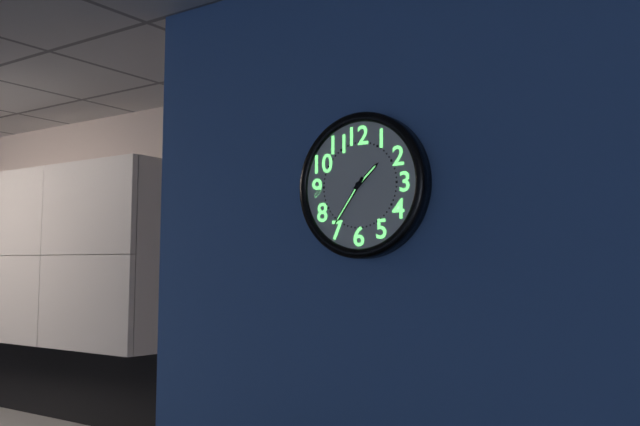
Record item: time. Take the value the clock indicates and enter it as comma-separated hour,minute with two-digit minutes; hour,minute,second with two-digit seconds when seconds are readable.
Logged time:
1,36
